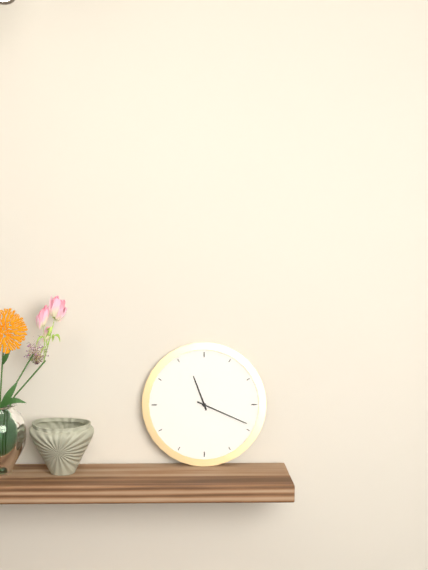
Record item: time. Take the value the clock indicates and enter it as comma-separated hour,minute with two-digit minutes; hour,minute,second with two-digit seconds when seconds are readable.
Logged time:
11,19
